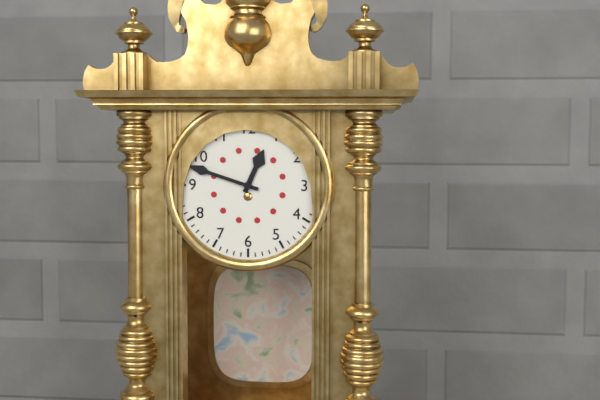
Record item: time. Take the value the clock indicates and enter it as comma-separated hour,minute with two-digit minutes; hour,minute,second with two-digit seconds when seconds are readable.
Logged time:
12,48
